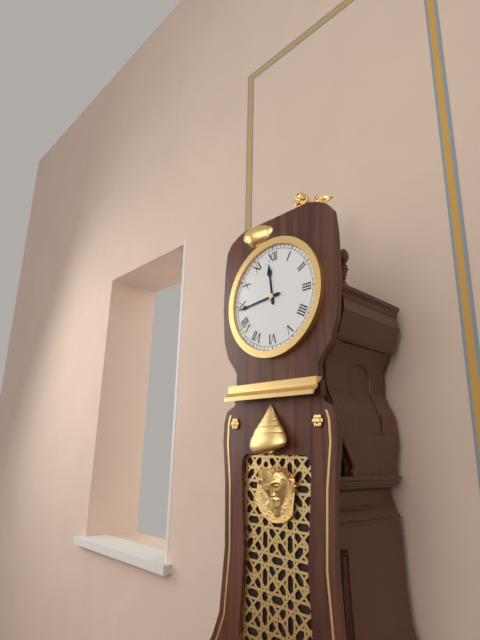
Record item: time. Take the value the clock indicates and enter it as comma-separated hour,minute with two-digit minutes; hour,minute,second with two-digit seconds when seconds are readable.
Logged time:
11,44
